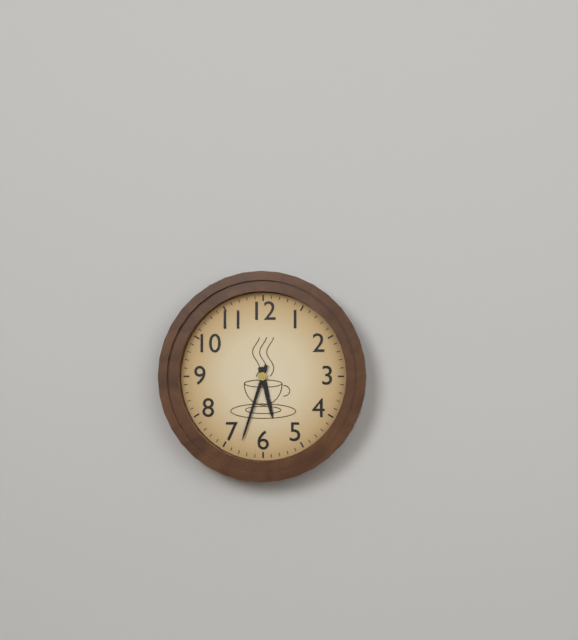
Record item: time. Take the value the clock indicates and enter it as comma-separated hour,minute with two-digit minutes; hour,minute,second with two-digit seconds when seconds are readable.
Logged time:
5,33
